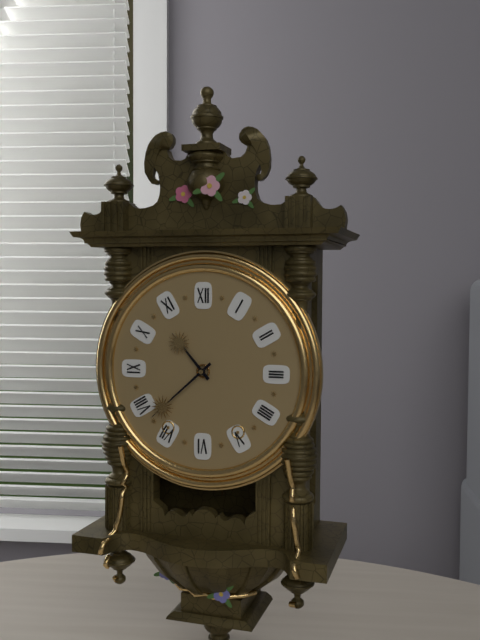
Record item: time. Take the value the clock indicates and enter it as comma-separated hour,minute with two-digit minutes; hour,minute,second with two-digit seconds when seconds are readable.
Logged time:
10,38
